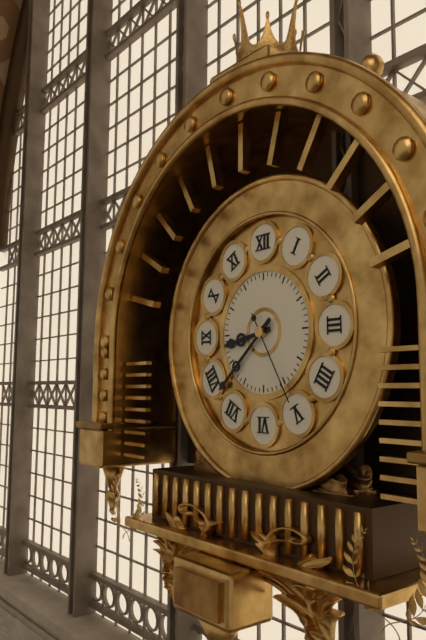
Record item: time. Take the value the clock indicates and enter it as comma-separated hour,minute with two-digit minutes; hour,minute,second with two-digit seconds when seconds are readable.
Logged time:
8,38,25
